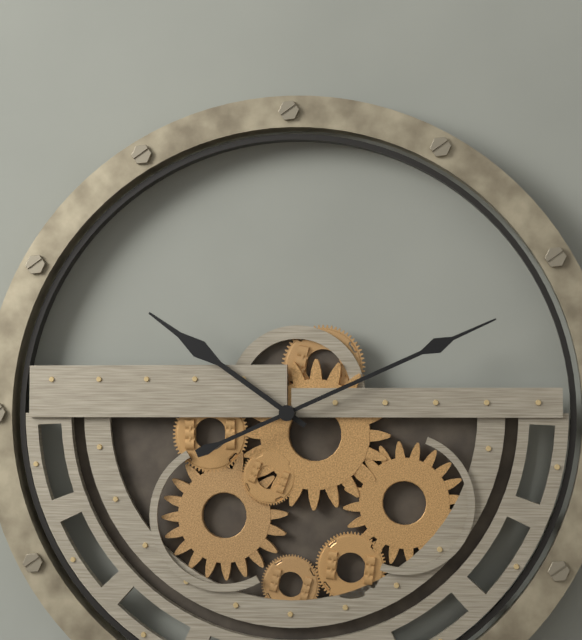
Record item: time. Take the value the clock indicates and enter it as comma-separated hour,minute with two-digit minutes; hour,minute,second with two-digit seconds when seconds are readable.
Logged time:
10,11
